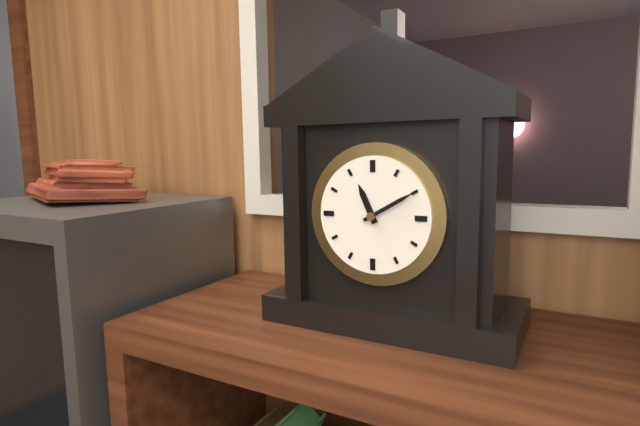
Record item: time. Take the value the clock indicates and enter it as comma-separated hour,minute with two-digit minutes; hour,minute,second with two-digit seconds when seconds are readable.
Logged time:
11,10
